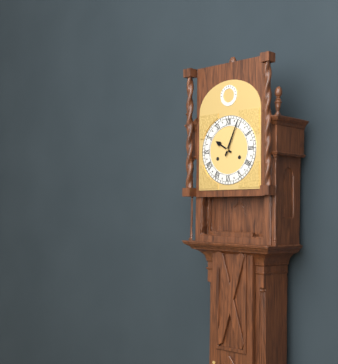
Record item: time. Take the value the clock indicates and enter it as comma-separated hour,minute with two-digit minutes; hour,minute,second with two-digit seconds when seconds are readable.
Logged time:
10,04
